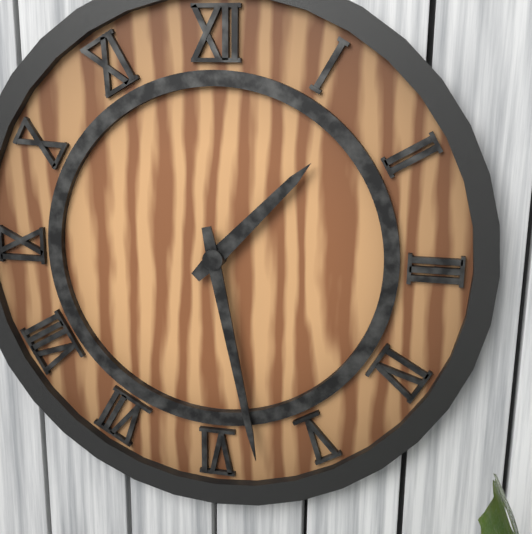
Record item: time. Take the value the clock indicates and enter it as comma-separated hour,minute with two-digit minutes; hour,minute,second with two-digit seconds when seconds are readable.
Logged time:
1,28
